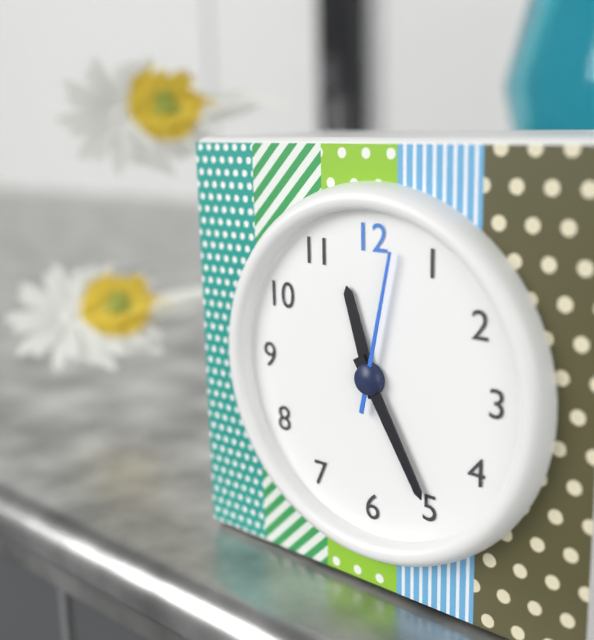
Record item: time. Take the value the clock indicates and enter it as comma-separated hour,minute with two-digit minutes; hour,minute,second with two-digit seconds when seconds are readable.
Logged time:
11,25,02
